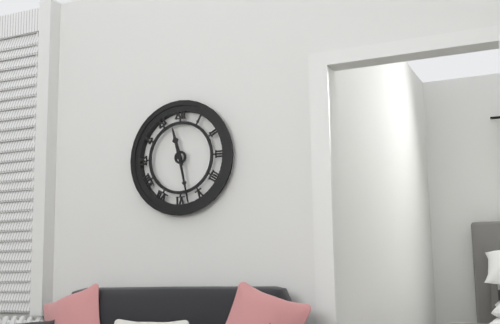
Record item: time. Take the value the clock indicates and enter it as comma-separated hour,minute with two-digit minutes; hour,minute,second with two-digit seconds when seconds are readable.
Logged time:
11,28
